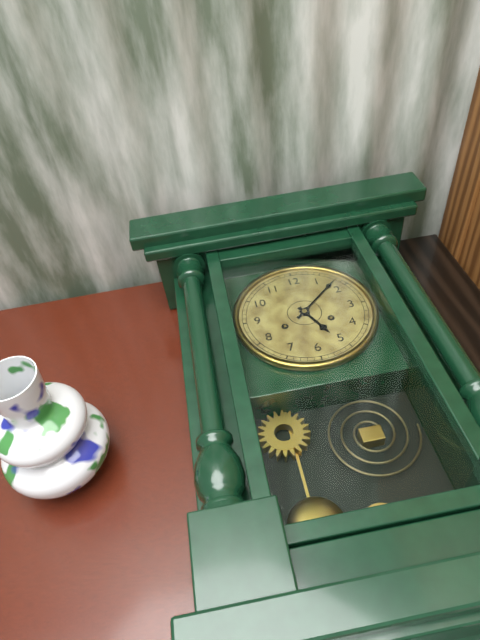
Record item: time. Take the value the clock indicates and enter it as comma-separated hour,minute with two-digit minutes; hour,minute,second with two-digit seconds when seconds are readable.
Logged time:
5,08
